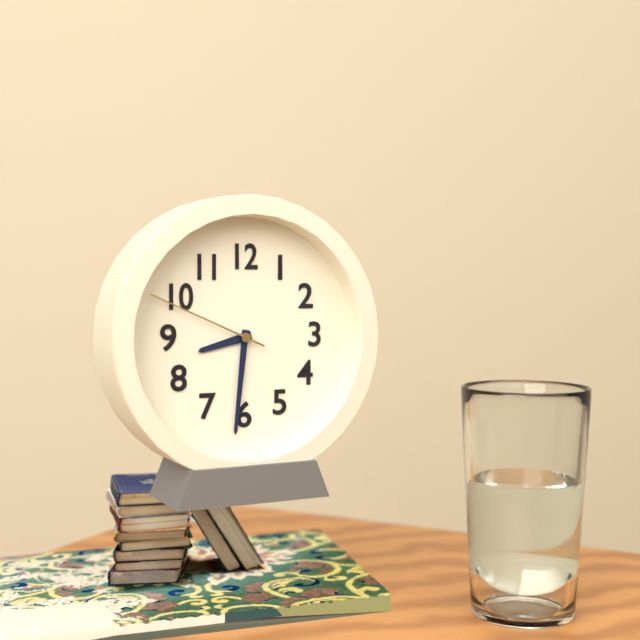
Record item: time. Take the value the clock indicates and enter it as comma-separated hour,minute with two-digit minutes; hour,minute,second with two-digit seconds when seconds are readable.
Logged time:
8,31,49
